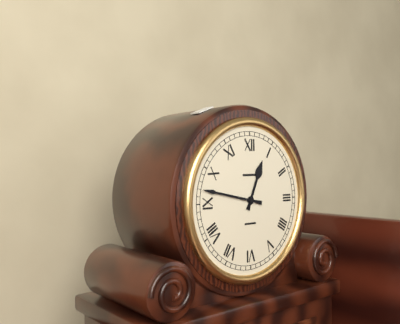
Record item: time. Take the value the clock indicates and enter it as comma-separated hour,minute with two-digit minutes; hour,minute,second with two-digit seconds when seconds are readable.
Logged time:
12,47
